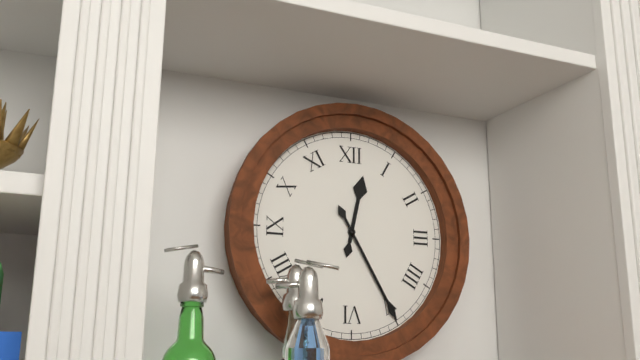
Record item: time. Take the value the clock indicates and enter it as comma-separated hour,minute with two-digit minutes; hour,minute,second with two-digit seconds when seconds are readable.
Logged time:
12,25
